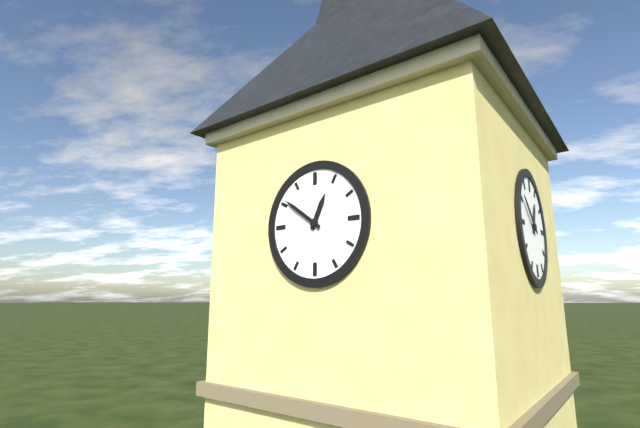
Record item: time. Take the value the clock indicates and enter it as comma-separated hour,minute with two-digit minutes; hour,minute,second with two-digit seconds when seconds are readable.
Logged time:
12,51
